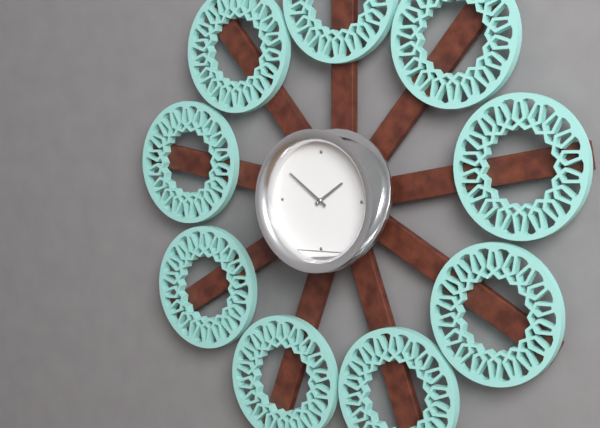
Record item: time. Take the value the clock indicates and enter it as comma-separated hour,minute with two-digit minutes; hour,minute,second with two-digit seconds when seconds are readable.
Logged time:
1,51
